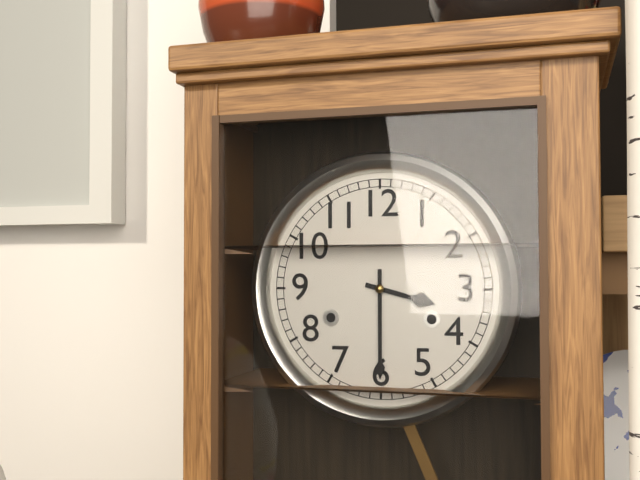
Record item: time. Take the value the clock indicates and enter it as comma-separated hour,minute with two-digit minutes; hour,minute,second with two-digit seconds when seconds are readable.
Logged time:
3,30
